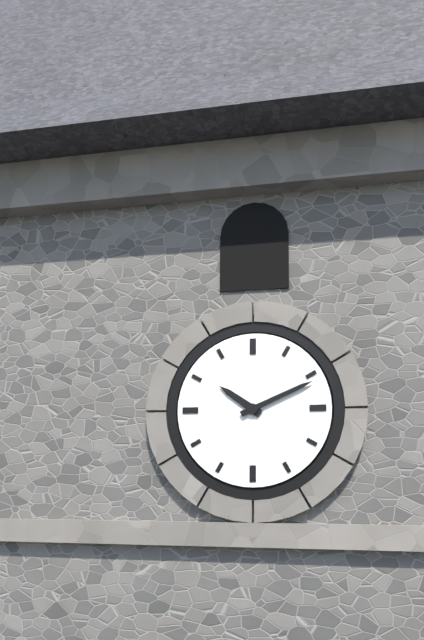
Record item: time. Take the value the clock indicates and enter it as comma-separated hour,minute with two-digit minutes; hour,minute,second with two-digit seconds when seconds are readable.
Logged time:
10,11
